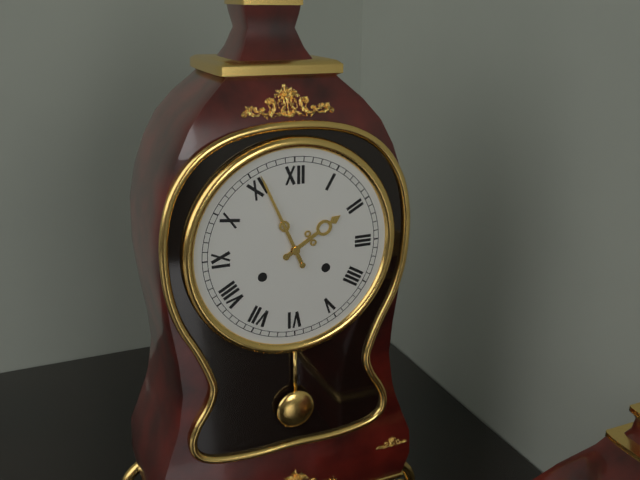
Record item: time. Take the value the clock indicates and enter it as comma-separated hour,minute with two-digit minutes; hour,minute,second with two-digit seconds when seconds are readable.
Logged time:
1,56
